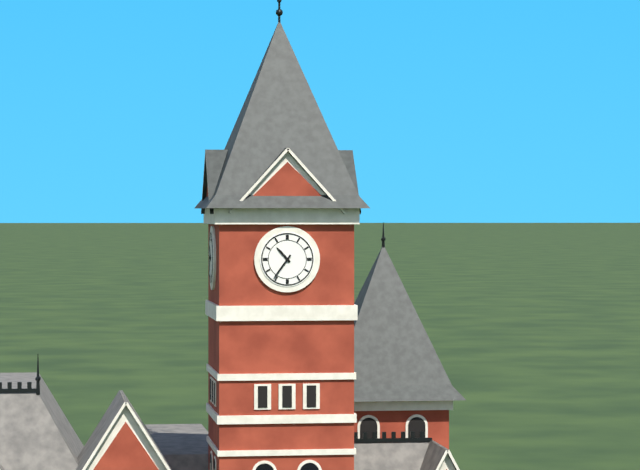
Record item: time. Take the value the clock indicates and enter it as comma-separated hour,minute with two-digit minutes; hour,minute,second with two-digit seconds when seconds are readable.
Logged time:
10,36
